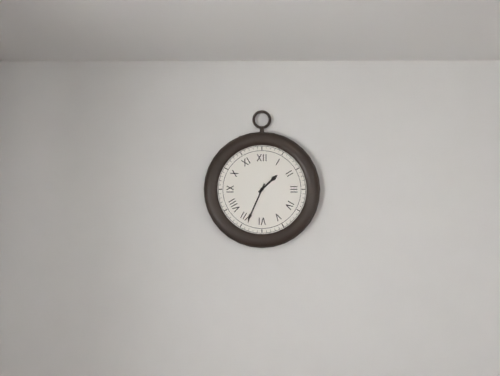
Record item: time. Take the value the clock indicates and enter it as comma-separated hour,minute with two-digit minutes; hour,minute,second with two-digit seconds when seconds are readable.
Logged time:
1,34
